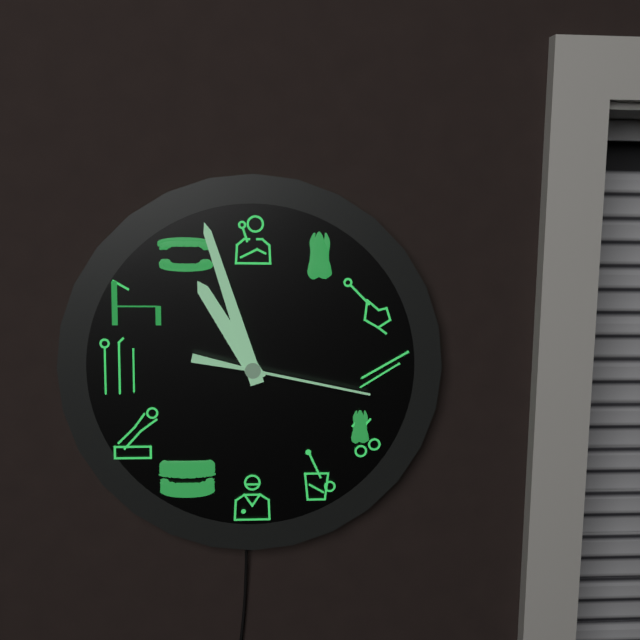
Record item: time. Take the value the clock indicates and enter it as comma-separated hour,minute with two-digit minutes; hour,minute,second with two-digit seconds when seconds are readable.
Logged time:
10,57,17
